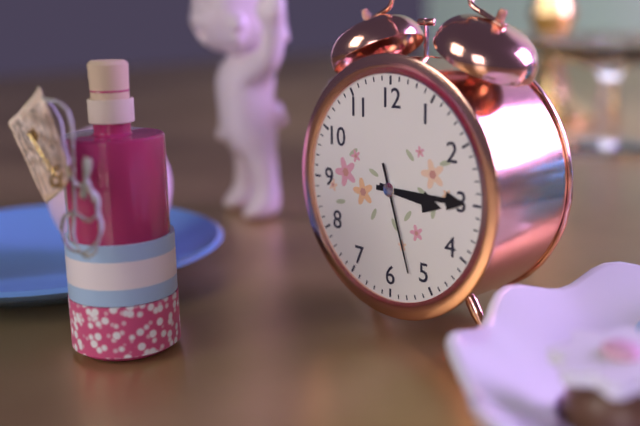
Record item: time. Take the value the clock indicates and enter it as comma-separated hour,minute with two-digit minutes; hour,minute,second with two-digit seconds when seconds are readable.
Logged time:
3,15,27
